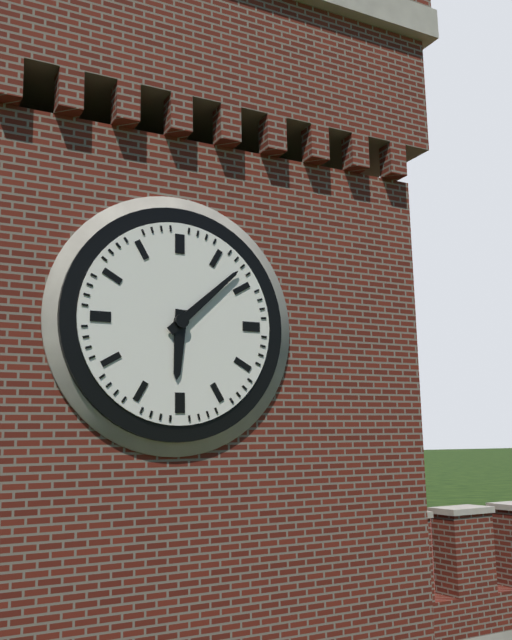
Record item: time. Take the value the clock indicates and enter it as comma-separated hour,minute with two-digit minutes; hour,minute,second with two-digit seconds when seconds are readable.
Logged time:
6,08
